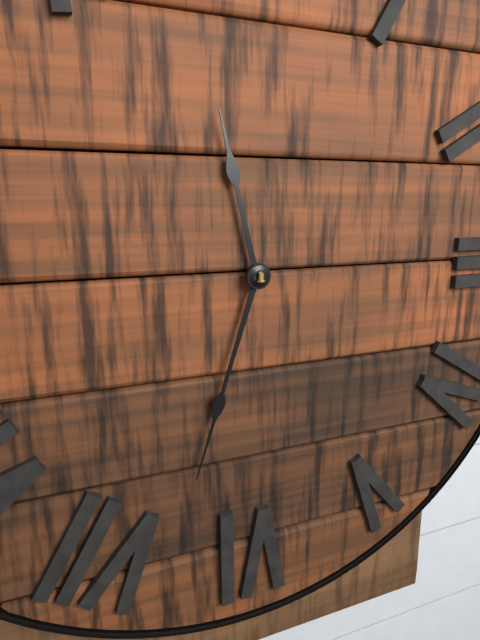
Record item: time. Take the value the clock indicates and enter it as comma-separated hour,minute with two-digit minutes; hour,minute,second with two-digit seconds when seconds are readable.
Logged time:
11,33
